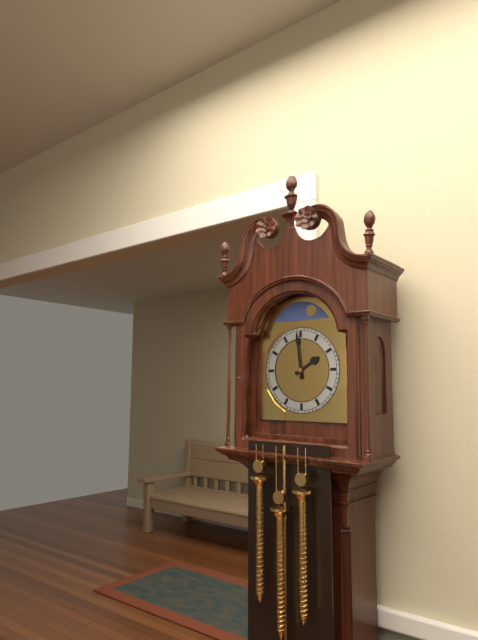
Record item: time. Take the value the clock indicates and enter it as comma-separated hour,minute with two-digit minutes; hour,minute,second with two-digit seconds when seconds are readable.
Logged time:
1,59
